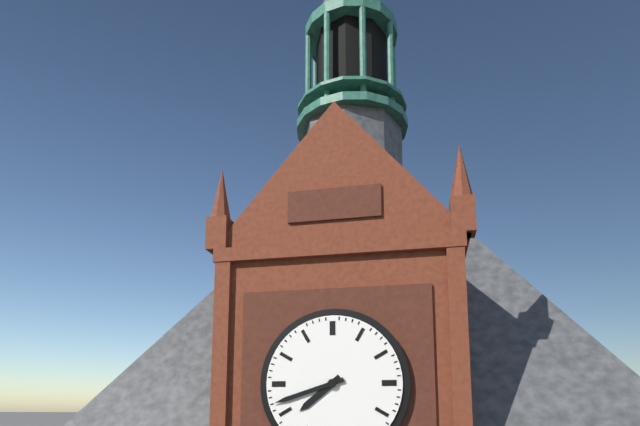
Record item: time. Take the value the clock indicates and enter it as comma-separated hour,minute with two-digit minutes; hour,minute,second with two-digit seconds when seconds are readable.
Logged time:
7,42
